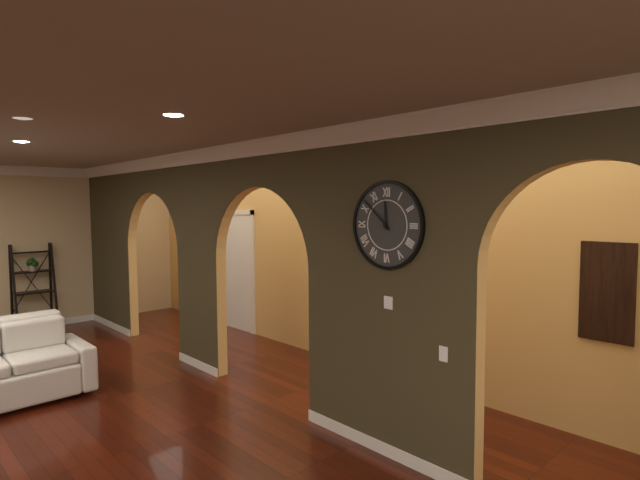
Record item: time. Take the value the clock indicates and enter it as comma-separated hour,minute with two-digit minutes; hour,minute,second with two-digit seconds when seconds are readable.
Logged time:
11,52
